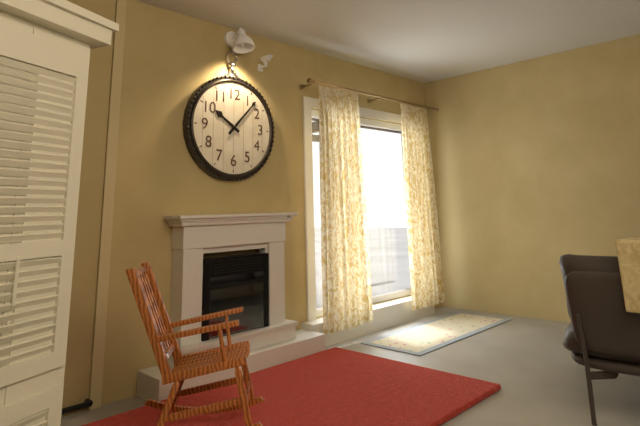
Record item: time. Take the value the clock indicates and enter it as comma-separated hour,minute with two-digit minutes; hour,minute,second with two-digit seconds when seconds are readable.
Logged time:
10,07
